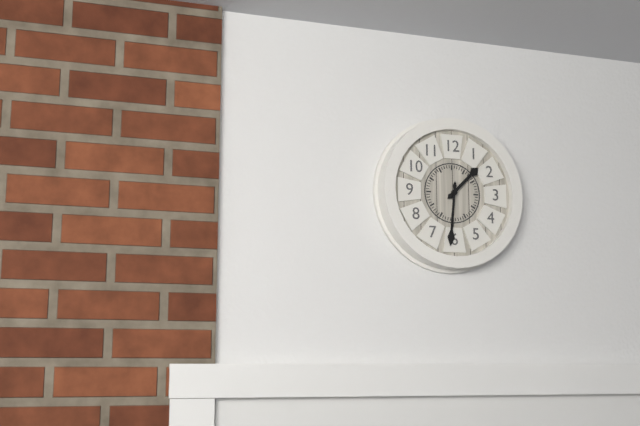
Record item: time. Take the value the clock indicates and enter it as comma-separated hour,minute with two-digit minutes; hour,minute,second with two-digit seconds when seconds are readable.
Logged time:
1,31
